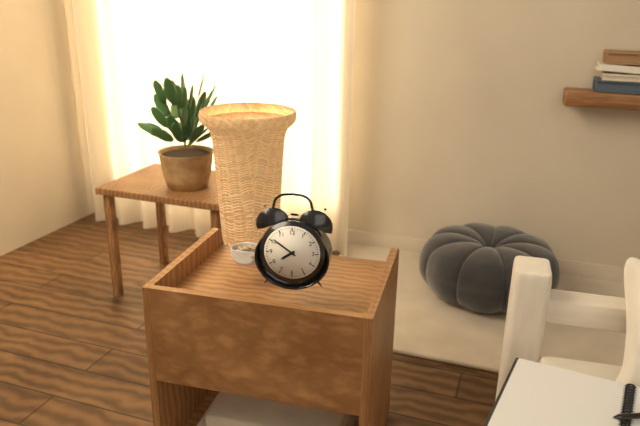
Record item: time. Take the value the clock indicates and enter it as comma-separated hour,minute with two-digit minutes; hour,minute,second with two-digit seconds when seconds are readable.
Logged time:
7,51
